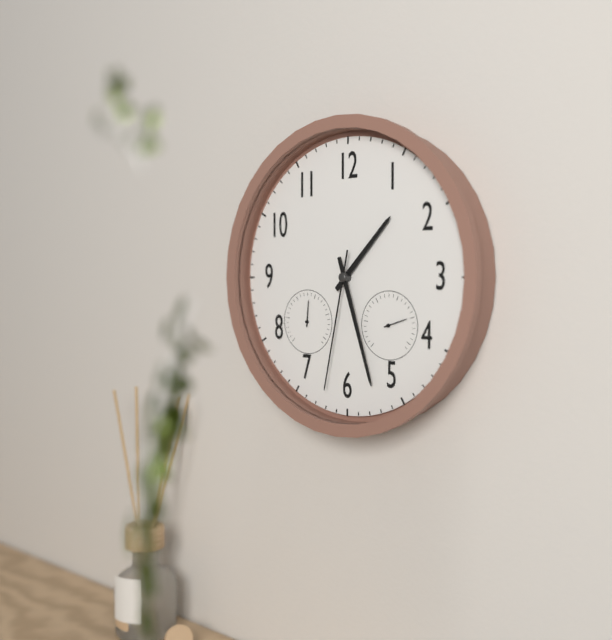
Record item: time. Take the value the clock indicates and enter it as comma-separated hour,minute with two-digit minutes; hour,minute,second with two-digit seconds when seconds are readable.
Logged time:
1,27,32
